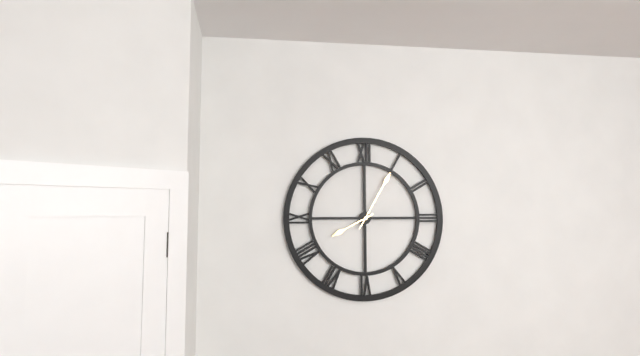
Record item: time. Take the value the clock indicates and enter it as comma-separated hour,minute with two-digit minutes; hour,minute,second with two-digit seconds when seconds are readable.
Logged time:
8,05
